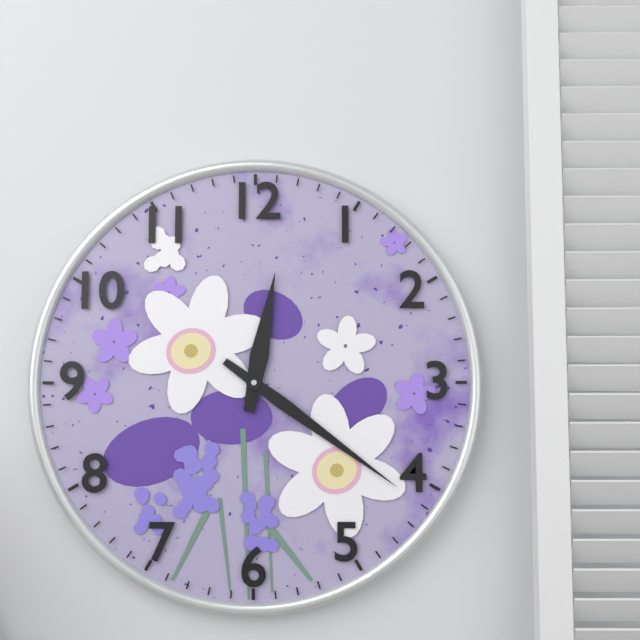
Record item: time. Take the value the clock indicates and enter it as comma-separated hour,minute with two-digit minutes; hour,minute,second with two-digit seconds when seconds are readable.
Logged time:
12,21
